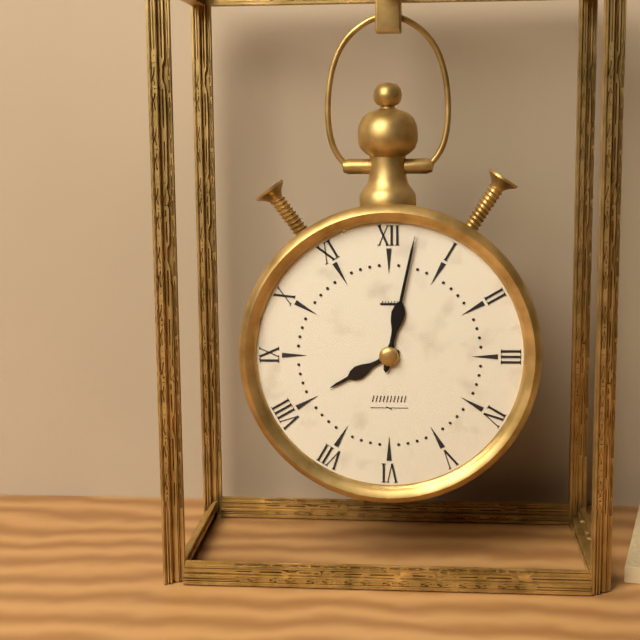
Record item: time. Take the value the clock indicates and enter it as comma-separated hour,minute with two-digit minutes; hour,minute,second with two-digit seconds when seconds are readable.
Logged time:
8,02
